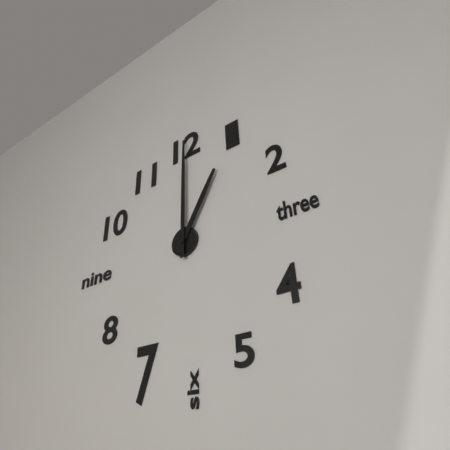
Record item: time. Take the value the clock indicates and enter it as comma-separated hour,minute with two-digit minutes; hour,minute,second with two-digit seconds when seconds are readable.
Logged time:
1,00
